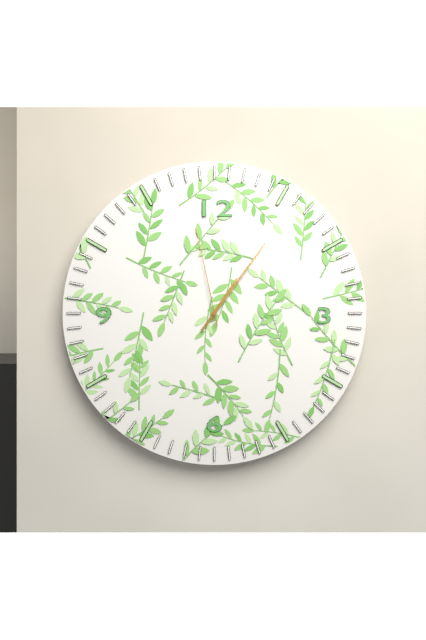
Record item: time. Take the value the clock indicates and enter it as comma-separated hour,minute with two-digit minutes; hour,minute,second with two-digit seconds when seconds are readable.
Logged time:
1,06,58
